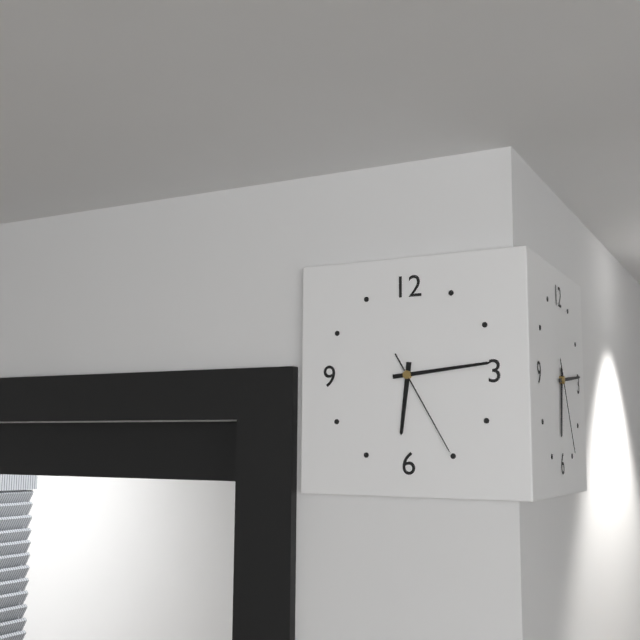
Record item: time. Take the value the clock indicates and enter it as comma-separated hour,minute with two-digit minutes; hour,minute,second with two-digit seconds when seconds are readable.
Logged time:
6,14,25
